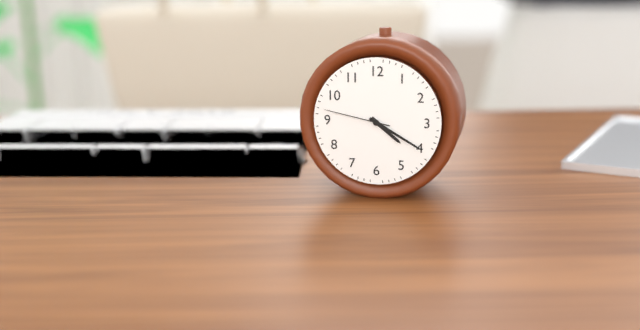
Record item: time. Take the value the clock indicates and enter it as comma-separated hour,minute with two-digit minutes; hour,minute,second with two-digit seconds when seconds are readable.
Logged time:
4,20,47
